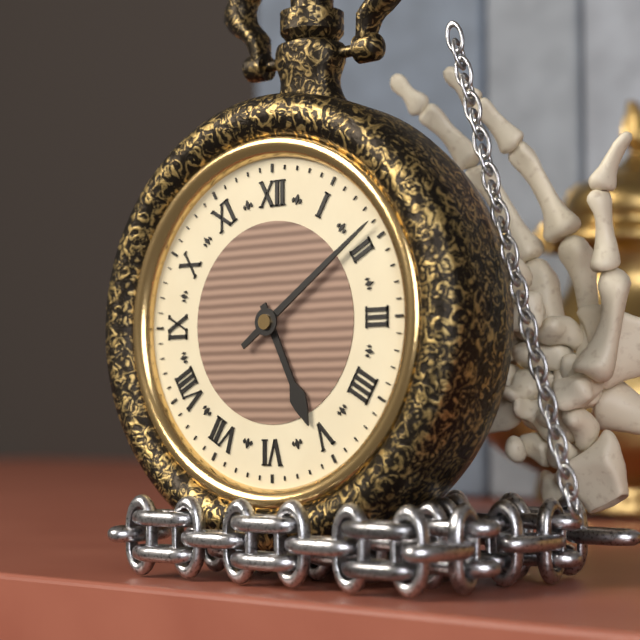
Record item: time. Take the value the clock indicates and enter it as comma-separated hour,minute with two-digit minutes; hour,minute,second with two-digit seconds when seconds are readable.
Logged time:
5,09
